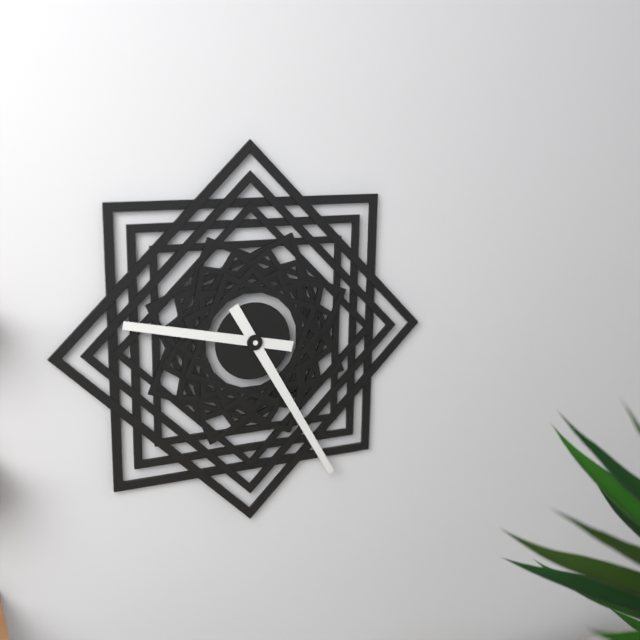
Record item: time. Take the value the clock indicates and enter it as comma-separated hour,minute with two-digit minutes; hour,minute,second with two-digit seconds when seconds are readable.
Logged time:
9,25
